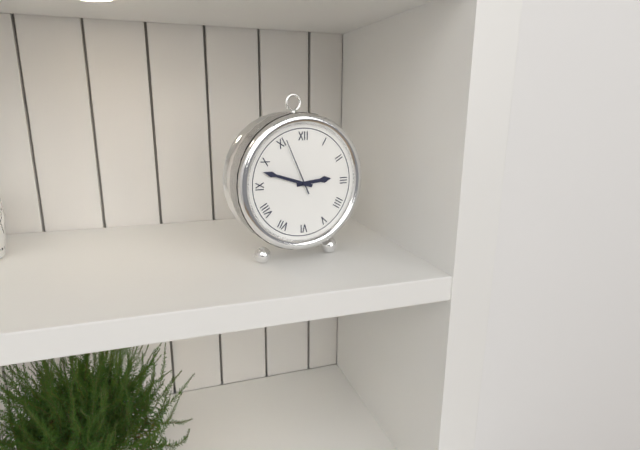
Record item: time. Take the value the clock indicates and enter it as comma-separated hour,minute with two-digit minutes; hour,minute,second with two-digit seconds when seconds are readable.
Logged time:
2,48,56
